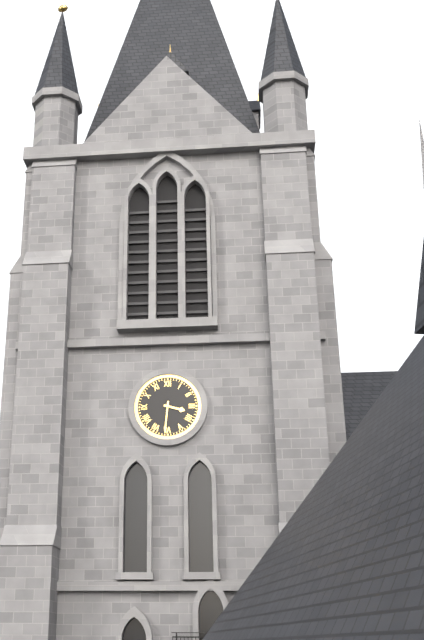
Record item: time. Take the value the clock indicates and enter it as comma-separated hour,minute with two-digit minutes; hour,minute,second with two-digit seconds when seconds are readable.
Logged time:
3,31
